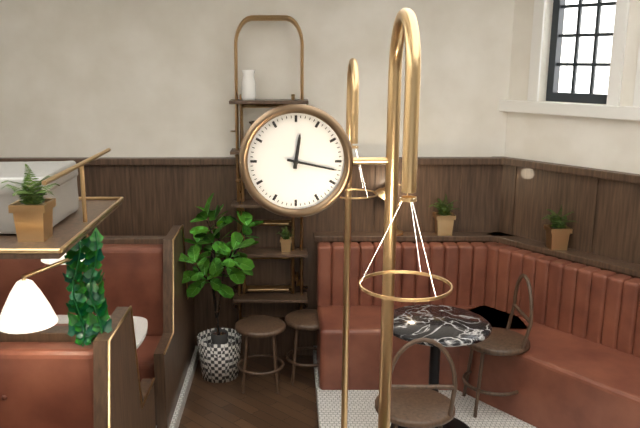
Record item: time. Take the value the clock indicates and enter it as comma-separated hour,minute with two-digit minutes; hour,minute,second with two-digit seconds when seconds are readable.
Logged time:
12,17
